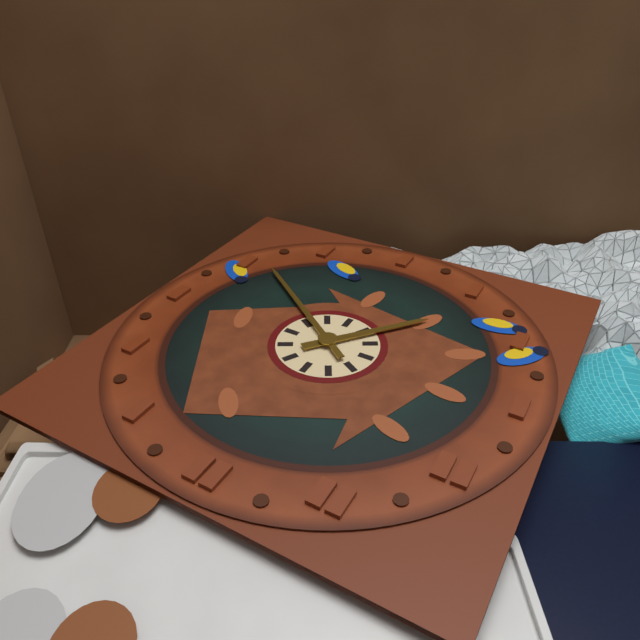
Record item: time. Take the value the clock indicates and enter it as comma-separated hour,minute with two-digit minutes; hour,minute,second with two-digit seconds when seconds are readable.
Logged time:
7,21
